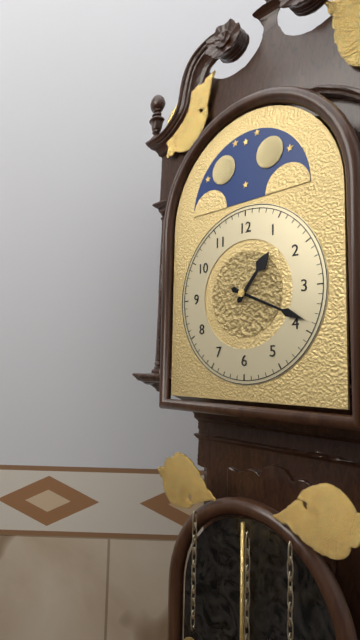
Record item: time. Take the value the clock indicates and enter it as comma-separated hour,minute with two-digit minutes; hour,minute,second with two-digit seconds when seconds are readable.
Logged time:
1,19
